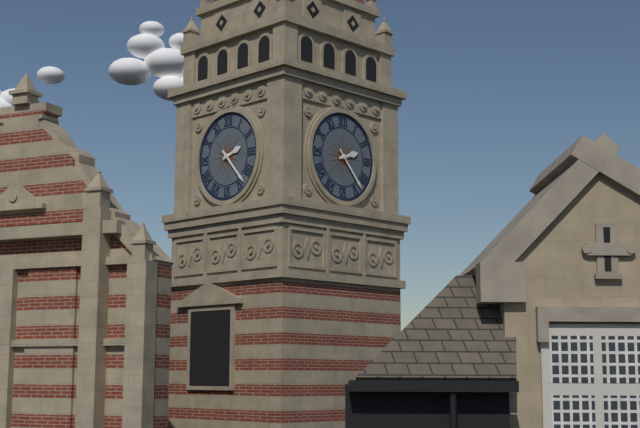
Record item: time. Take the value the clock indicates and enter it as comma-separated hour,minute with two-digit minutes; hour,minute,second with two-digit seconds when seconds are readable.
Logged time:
2,23
